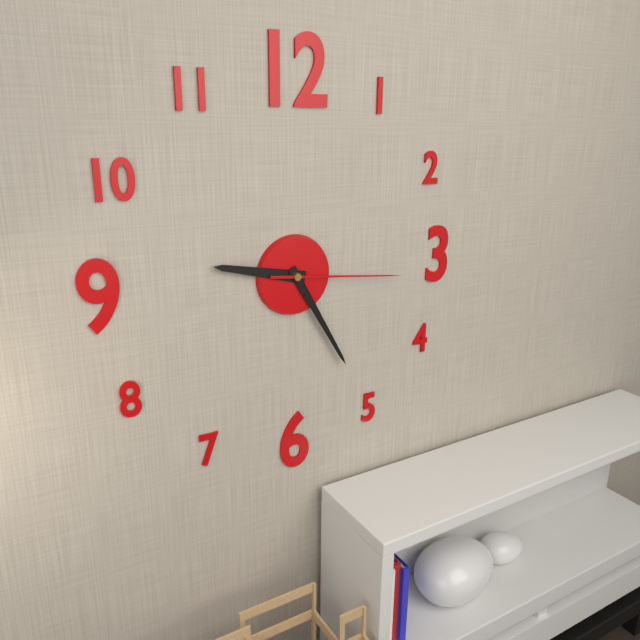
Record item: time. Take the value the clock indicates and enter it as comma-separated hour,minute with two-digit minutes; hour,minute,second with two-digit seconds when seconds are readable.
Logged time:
9,25,16
